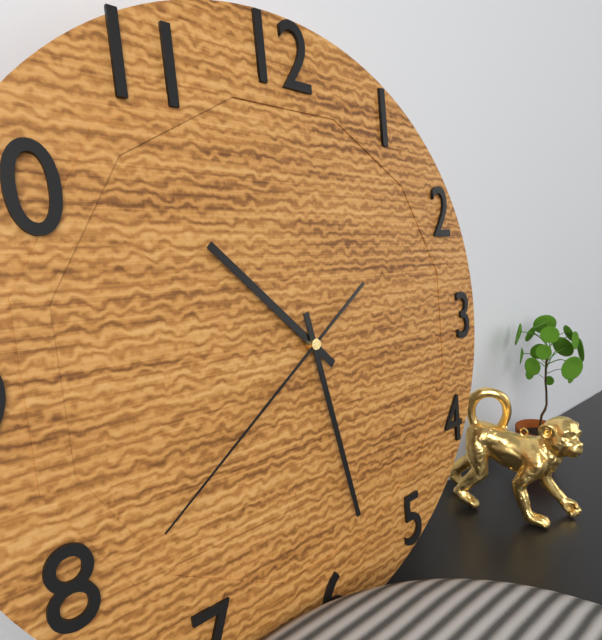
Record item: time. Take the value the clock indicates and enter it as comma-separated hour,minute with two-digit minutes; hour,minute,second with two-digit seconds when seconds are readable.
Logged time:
10,28,39
